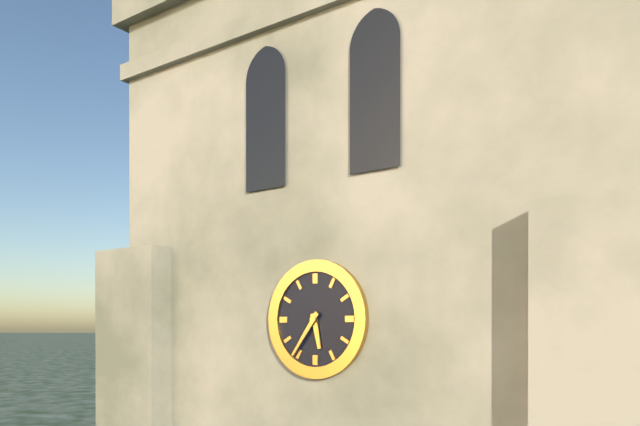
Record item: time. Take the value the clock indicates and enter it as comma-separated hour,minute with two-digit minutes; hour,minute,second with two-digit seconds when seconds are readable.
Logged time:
5,36
